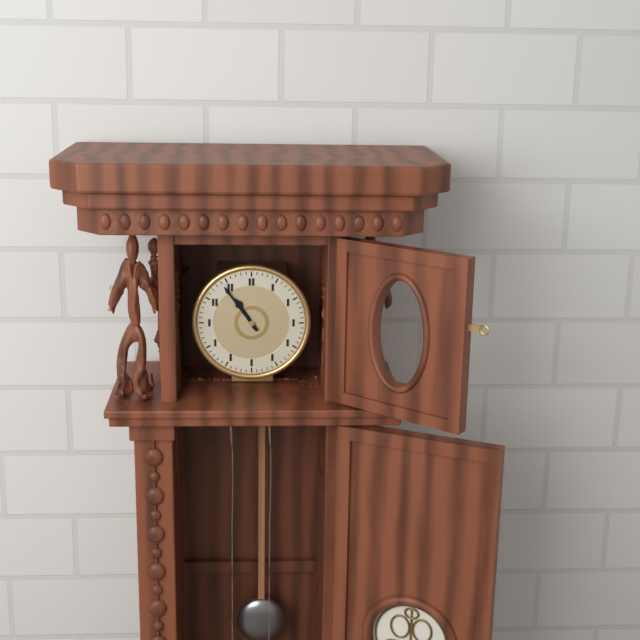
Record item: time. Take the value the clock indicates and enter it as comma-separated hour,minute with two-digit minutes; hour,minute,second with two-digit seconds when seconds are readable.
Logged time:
10,54
